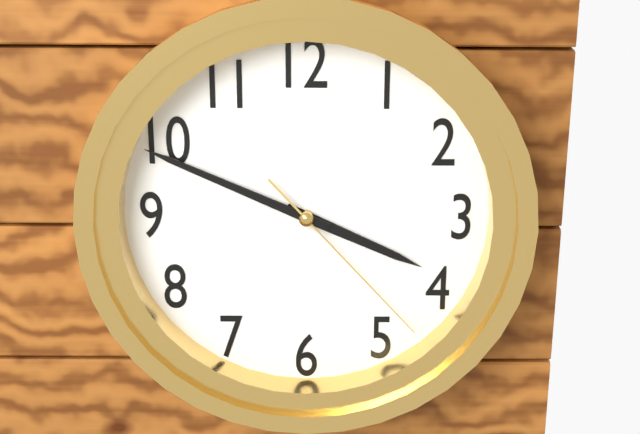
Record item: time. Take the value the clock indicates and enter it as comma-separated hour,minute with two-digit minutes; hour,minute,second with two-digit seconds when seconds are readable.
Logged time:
3,49,23
